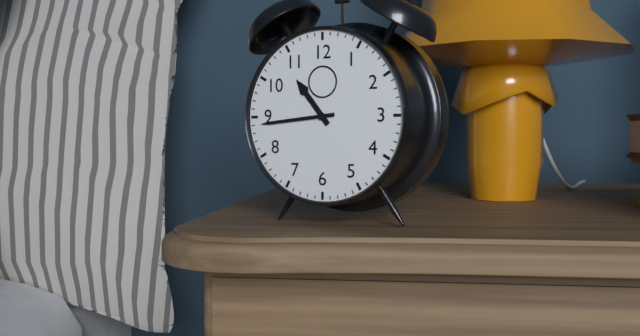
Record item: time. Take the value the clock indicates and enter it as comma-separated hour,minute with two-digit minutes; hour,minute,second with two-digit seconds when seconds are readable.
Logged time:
10,44
